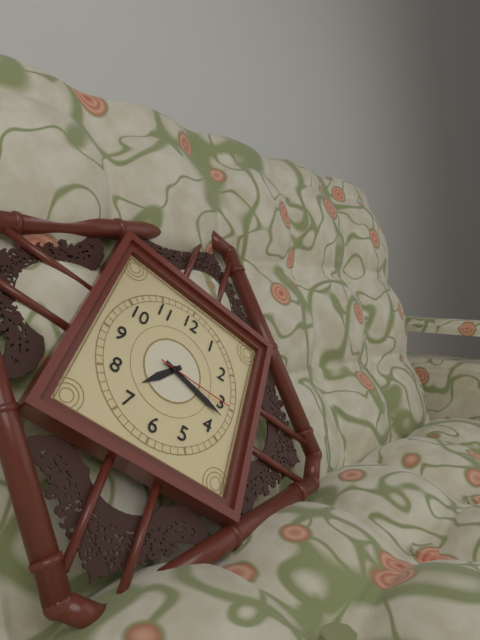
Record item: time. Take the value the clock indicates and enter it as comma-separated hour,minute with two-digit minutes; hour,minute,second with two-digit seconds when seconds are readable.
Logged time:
7,17,15
